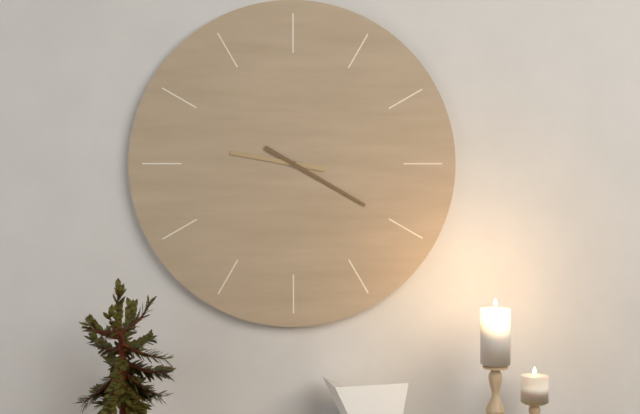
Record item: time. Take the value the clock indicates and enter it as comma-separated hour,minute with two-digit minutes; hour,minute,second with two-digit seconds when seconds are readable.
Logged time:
9,20
